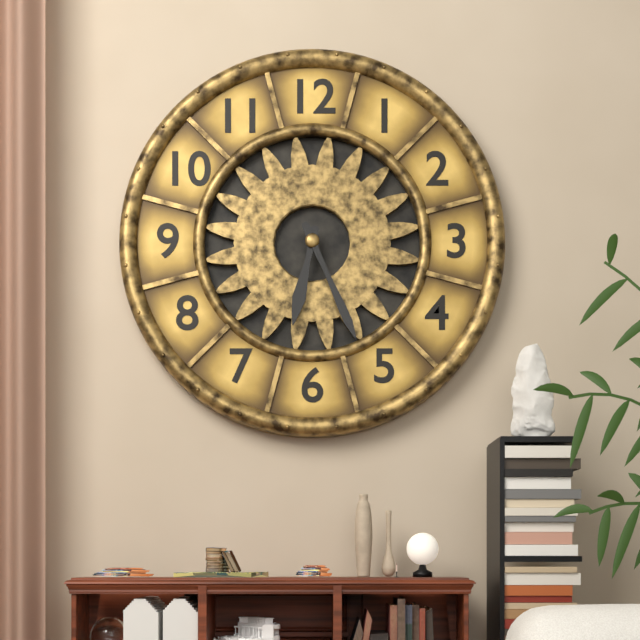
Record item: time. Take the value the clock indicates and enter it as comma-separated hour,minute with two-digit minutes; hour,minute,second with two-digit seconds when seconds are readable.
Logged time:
6,26
